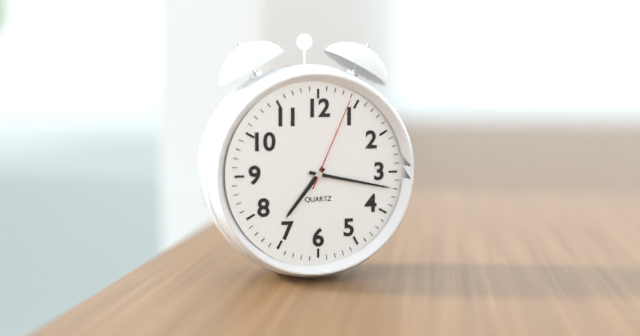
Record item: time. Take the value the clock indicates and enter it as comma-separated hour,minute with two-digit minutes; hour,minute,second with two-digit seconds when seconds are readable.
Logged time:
7,17,04
